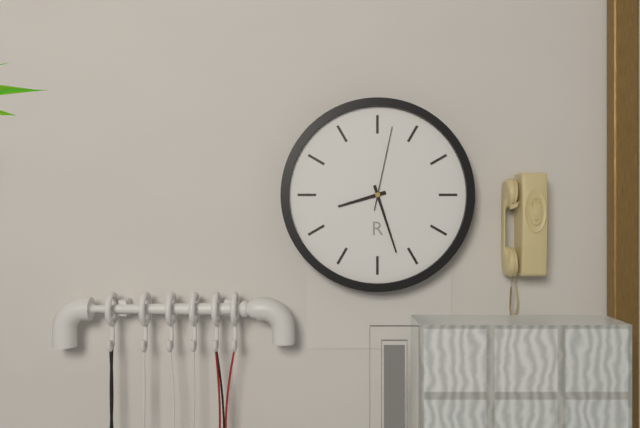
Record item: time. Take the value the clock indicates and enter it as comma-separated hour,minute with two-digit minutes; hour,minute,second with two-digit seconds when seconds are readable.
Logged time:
8,27,02
